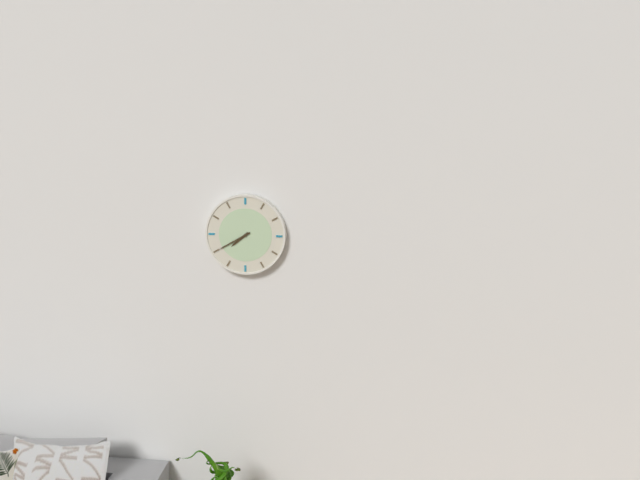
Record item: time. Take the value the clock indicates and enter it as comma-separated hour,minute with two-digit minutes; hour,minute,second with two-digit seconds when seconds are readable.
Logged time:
7,40
